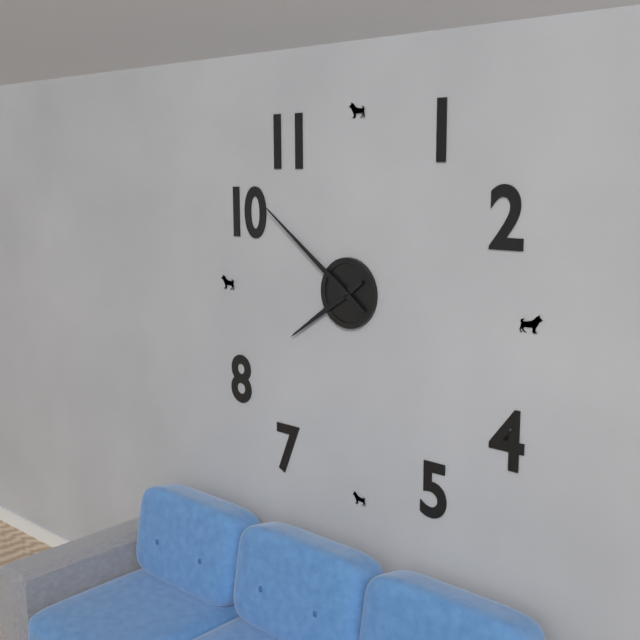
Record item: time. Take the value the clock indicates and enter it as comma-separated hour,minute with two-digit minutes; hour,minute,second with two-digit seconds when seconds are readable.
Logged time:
7,51
